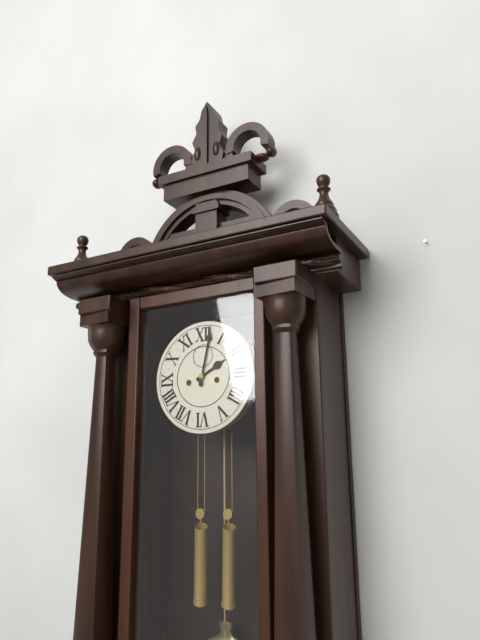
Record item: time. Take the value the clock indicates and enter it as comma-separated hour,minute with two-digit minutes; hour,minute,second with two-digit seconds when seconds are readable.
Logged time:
2,02
